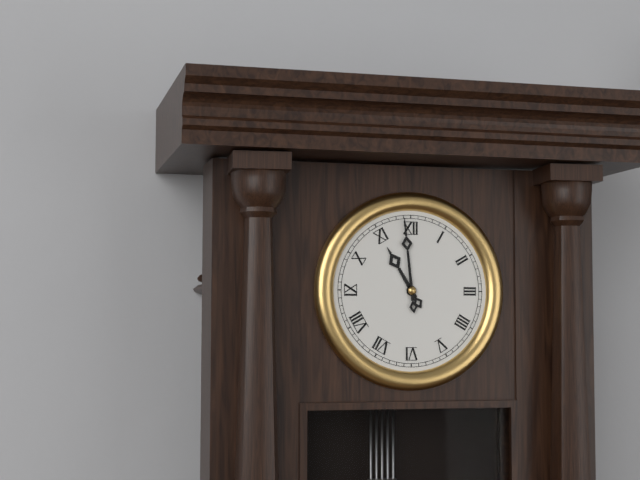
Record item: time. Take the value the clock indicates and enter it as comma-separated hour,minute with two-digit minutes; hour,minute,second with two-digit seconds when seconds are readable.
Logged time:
10,59
